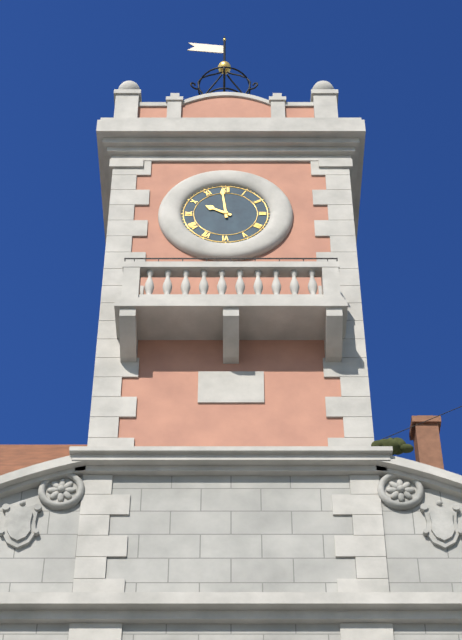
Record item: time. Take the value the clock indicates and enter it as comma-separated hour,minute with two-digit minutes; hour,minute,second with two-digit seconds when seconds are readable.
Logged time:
9,59
